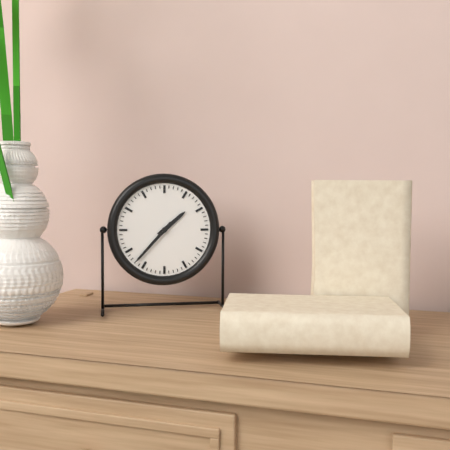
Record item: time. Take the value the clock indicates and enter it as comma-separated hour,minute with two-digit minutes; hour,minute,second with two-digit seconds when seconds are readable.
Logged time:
1,37
